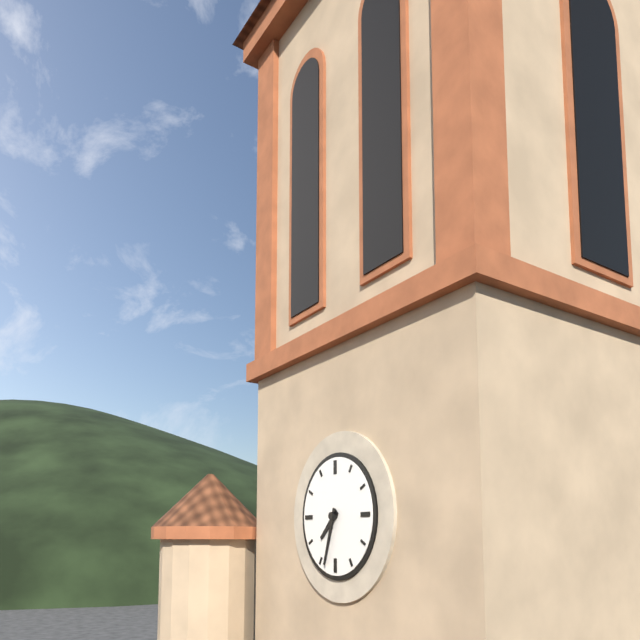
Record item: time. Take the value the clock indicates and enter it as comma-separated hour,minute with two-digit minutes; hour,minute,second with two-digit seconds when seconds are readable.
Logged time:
7,33
